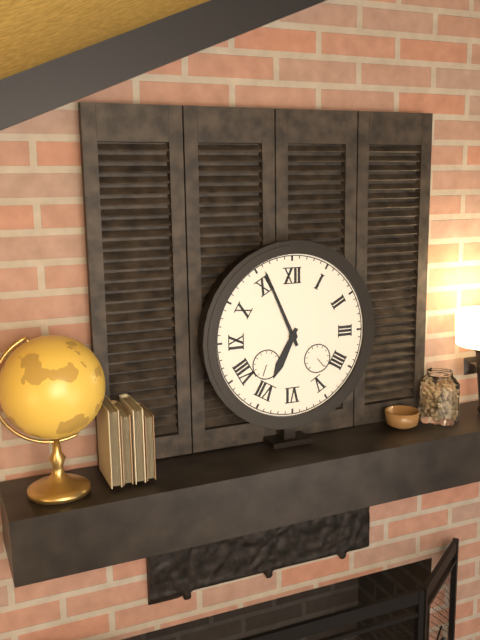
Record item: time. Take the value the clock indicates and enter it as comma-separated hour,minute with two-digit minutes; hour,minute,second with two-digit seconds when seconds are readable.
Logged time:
6,56
